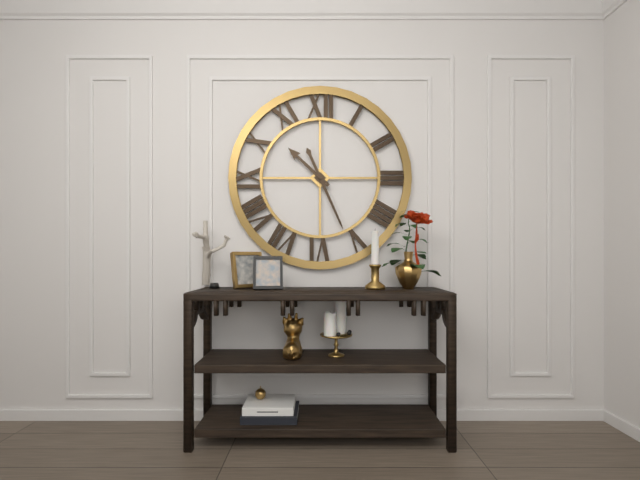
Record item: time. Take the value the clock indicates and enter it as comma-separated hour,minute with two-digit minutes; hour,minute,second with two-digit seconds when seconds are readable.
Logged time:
10,26
